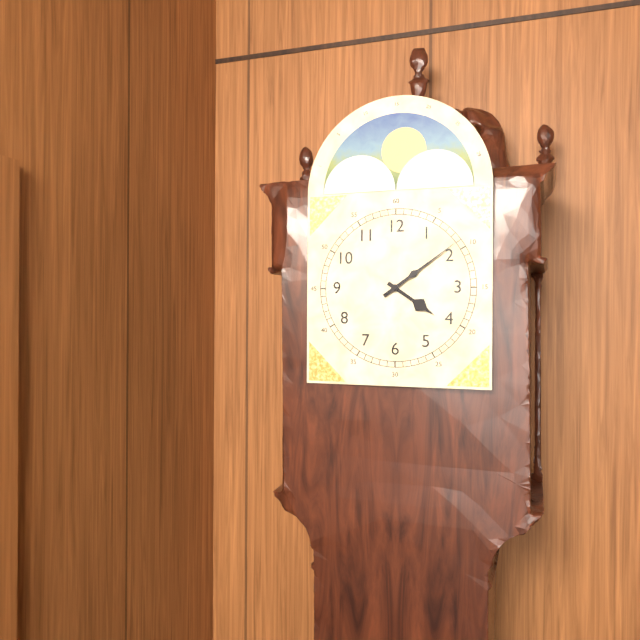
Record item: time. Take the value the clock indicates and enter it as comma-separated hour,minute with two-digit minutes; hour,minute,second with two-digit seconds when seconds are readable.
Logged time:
4,09
